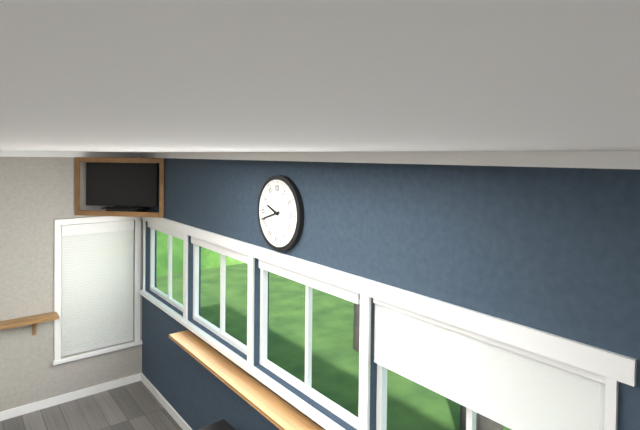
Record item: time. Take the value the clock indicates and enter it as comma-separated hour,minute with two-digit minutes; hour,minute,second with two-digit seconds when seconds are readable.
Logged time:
9,42
